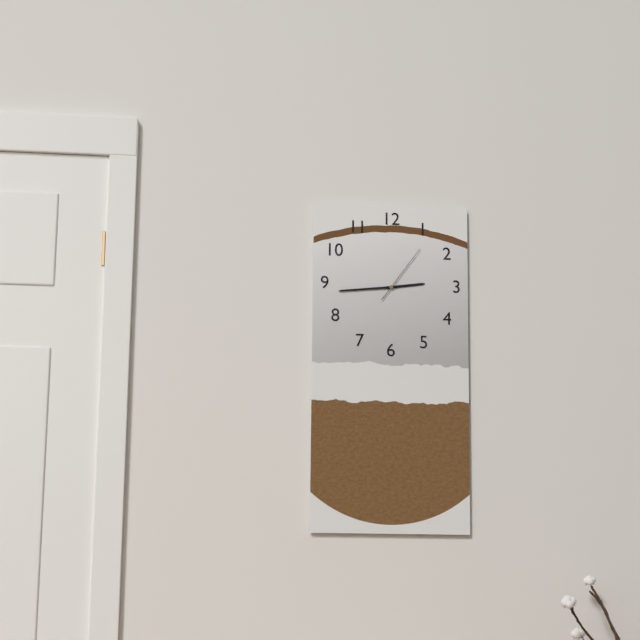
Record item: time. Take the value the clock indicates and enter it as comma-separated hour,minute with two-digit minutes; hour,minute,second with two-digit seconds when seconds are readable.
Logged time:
2,44,06
